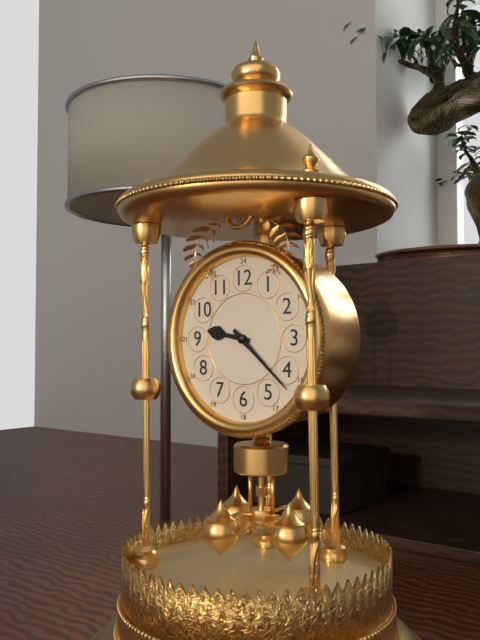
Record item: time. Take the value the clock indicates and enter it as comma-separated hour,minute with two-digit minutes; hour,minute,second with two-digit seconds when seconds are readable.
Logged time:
9,22
